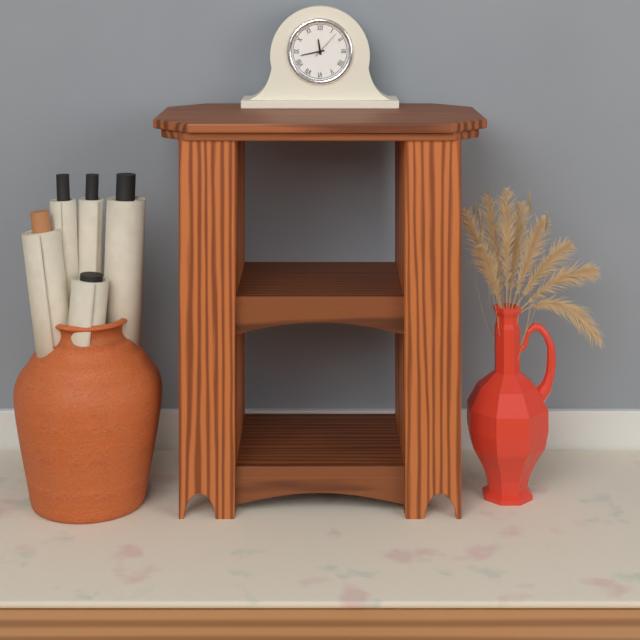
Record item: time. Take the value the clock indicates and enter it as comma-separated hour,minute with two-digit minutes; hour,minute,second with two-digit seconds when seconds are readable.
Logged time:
11,43
